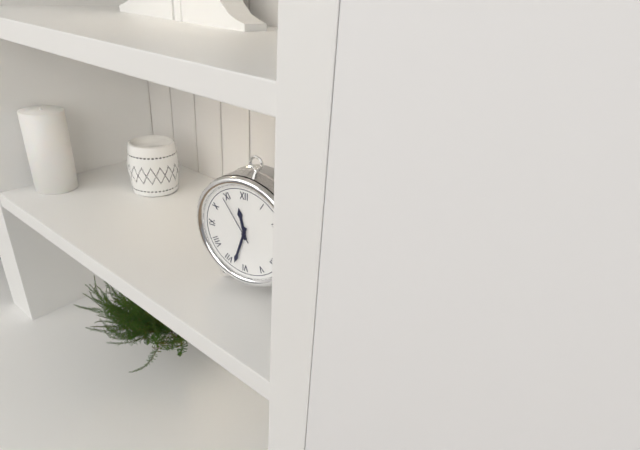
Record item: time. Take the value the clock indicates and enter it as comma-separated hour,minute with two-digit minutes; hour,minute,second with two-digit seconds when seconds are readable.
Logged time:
11,33,54
